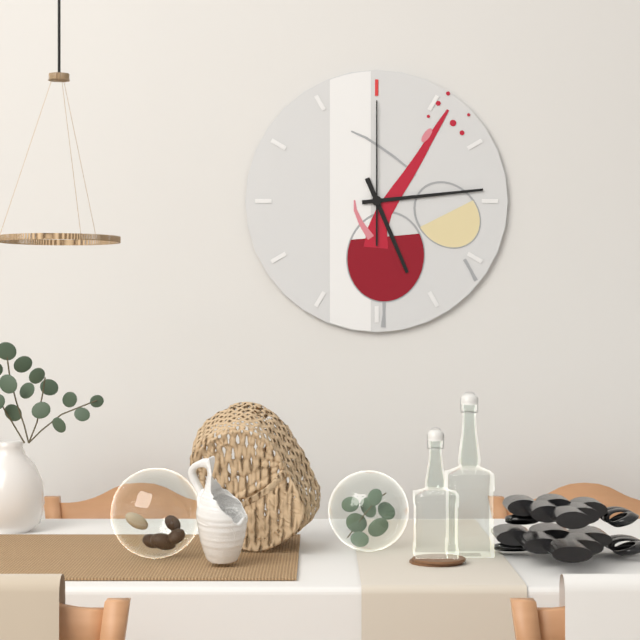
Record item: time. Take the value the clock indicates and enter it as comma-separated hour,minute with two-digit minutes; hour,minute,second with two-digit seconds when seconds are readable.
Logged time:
5,14,00
